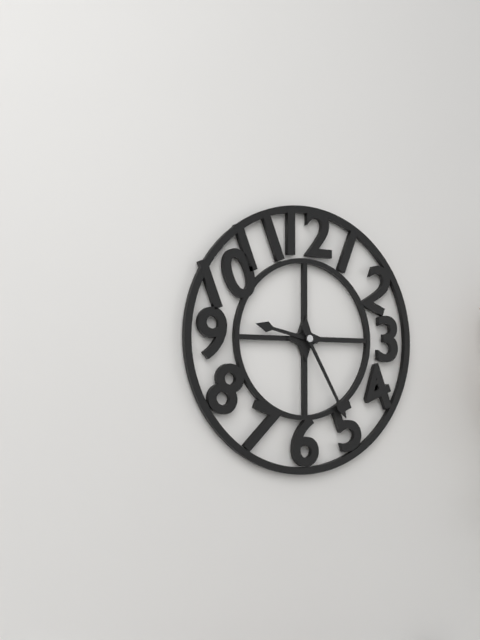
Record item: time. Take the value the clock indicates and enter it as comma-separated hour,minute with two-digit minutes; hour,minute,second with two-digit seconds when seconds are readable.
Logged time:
9,25
